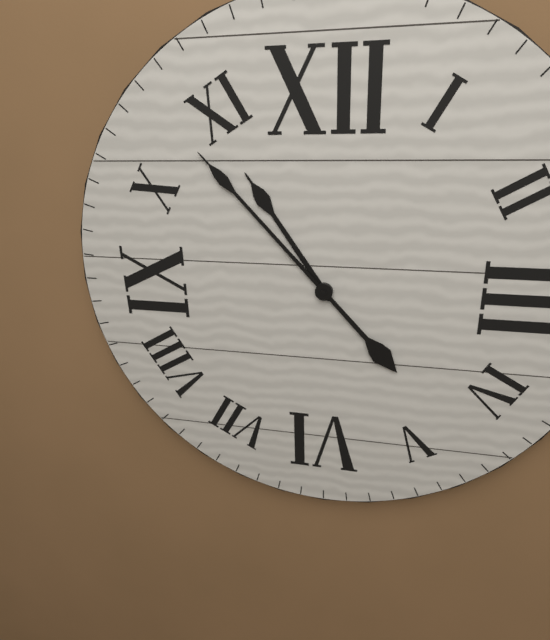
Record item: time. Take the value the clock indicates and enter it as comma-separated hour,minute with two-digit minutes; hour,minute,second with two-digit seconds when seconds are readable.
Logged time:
10,53
